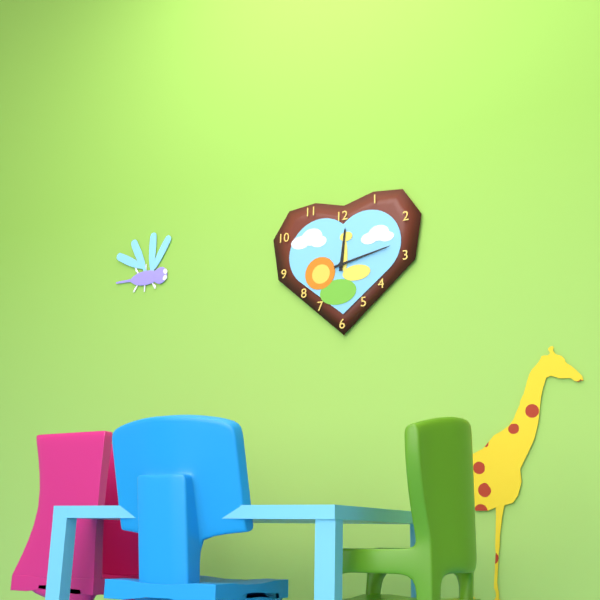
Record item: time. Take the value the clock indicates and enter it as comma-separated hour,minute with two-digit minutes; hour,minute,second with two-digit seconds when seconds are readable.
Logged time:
12,13
